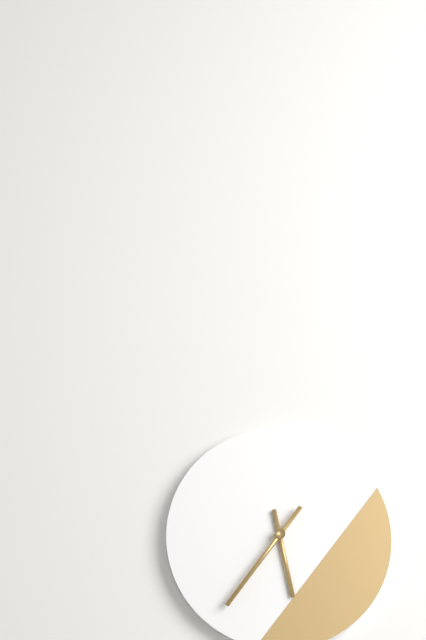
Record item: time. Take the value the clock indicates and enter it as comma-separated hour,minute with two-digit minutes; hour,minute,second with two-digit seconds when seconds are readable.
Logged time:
5,36
